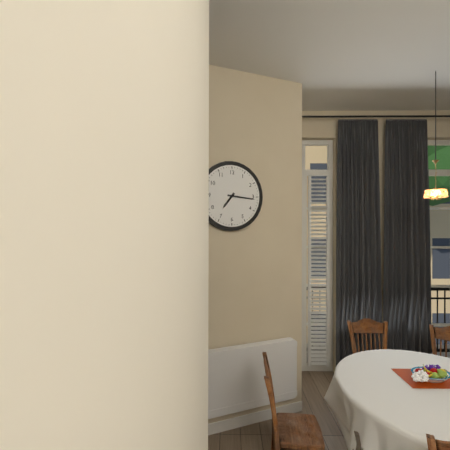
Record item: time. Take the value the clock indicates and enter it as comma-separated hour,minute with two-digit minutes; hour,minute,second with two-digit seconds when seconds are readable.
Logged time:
7,16
